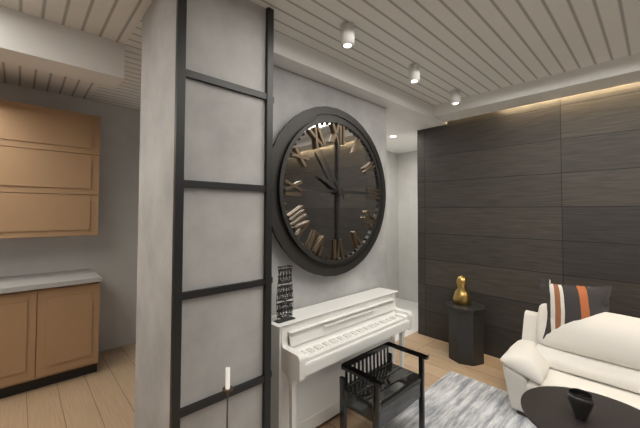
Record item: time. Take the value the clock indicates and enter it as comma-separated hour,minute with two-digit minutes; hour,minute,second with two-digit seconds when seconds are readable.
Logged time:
9,54
